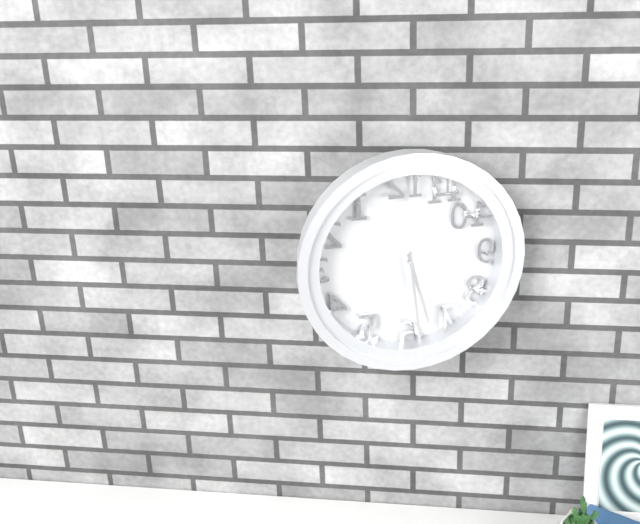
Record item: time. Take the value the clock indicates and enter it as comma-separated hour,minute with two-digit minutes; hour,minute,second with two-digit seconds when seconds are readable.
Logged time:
5,29
